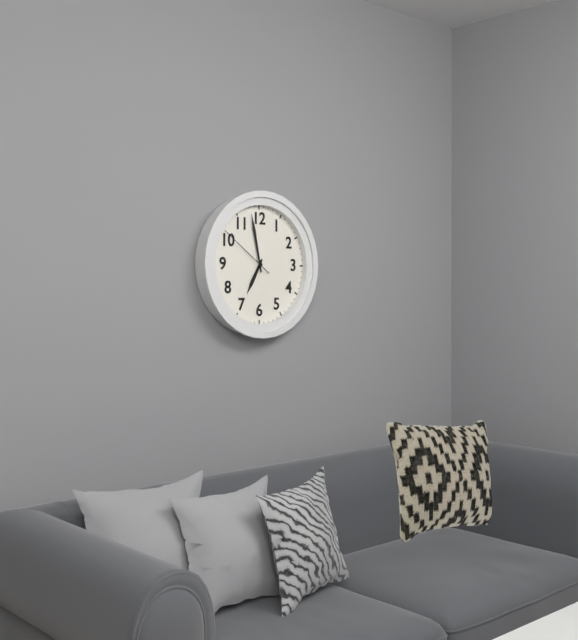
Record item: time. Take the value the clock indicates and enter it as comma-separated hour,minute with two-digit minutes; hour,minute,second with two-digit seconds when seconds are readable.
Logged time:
6,58,51
